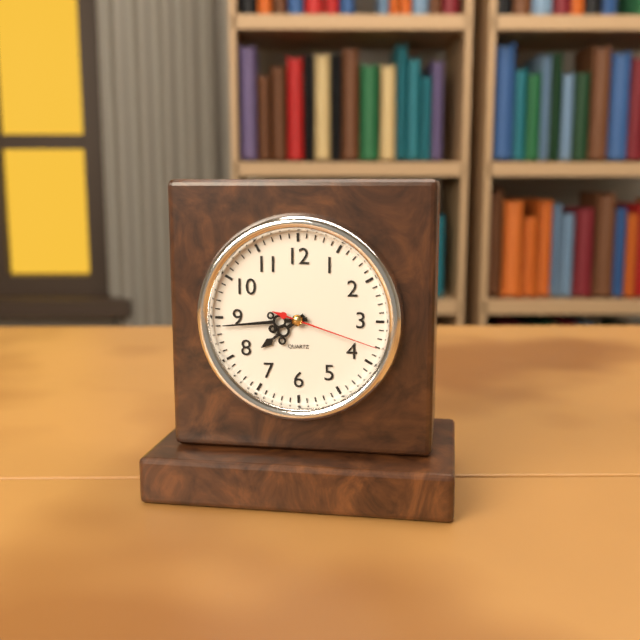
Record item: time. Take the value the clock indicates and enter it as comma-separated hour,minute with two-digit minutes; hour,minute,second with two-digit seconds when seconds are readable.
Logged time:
7,44,18
